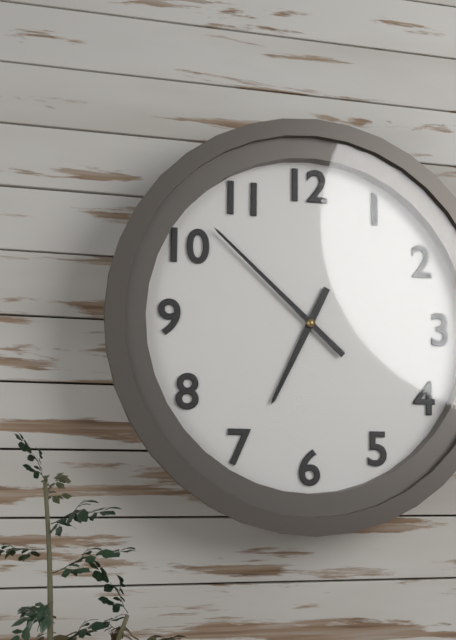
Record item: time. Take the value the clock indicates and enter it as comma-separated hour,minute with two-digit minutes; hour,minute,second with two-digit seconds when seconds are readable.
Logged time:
6,52
